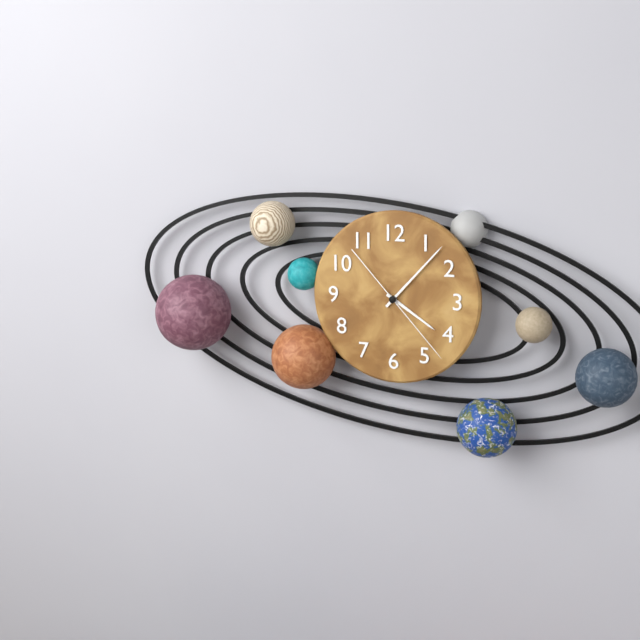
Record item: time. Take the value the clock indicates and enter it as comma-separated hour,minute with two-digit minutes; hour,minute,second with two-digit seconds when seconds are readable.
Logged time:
4,07,23
